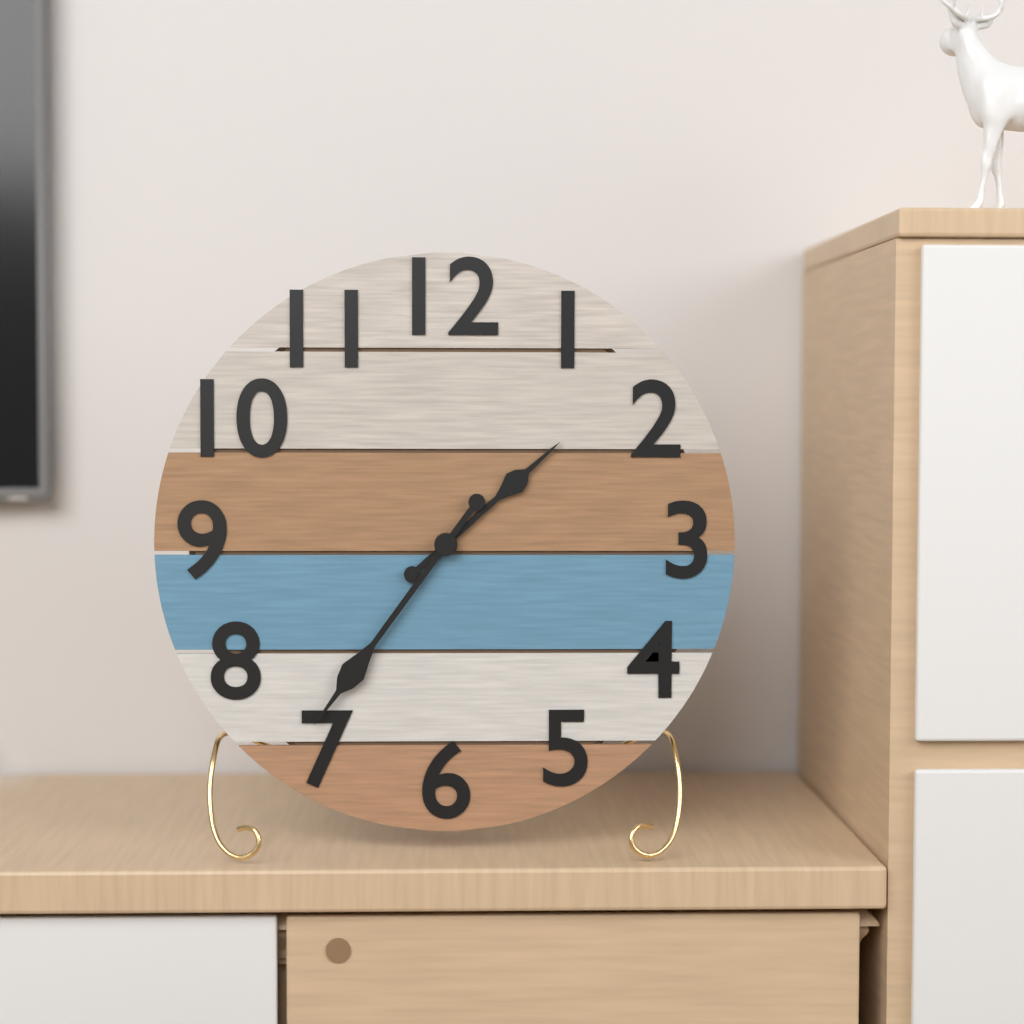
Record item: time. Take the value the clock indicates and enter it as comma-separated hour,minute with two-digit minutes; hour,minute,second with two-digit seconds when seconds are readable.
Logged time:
1,36
